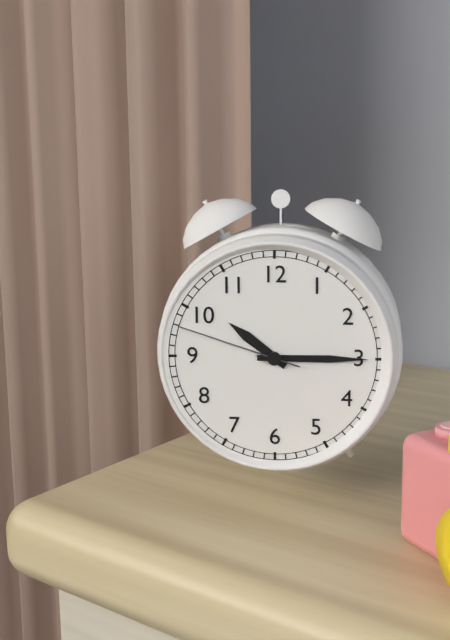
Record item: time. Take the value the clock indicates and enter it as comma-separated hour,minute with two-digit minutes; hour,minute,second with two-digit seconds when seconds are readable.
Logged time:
10,15,48
